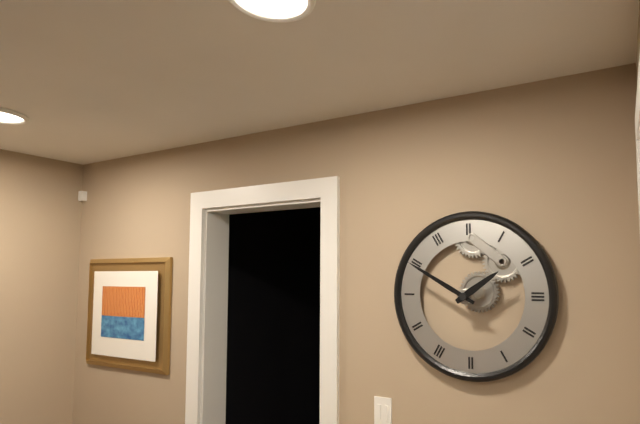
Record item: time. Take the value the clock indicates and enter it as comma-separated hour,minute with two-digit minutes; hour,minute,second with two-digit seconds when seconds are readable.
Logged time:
1,50
